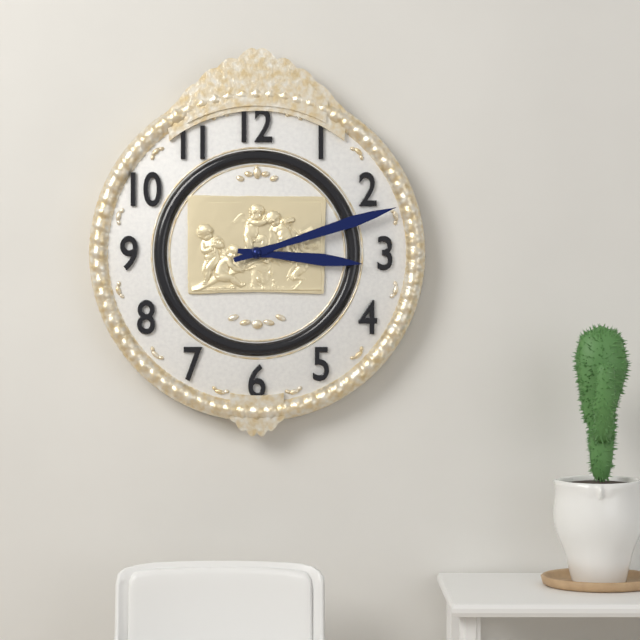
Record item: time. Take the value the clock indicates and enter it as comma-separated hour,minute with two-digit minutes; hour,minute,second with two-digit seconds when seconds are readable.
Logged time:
3,12
